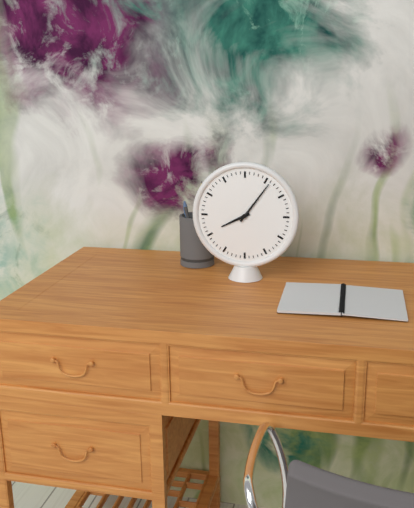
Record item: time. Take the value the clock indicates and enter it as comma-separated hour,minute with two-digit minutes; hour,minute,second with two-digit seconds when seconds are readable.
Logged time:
8,06
